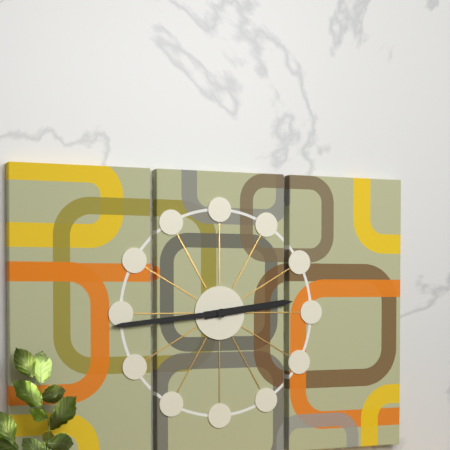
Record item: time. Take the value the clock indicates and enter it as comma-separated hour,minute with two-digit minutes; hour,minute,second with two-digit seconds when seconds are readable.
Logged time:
2,44
